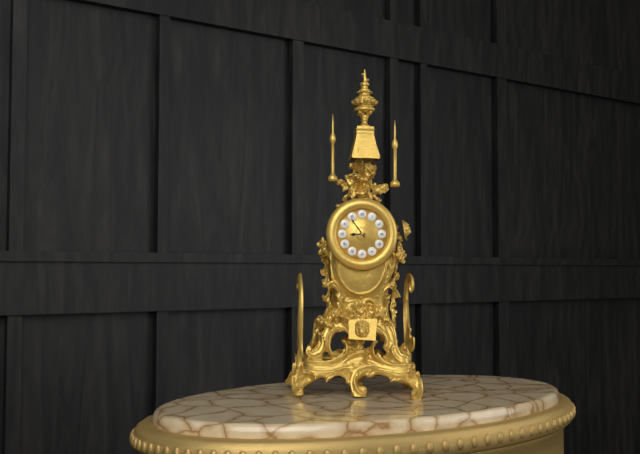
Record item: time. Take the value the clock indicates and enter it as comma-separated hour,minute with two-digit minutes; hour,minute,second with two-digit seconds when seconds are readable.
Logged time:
8,54
